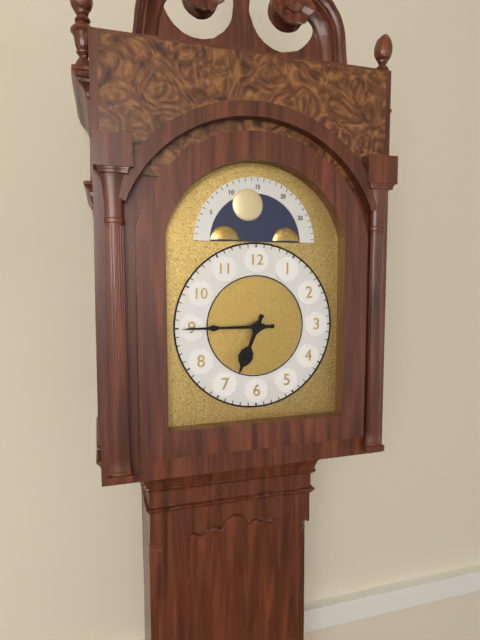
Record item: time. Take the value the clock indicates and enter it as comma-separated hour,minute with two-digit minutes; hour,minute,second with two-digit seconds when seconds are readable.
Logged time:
6,45
